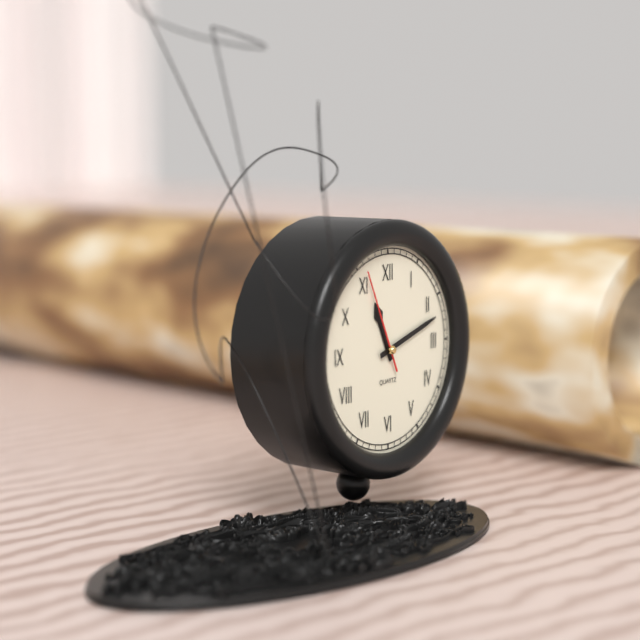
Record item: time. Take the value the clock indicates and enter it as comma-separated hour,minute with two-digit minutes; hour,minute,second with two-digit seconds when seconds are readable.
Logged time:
11,12,56
